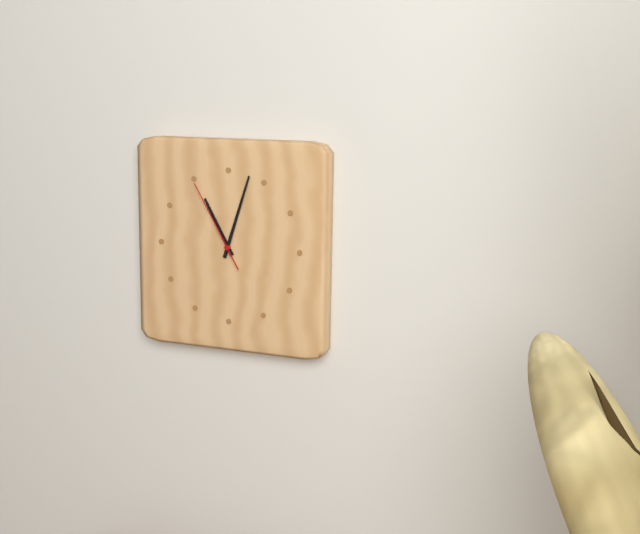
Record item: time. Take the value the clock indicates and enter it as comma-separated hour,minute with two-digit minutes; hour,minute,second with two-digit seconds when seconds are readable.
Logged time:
11,03,55
